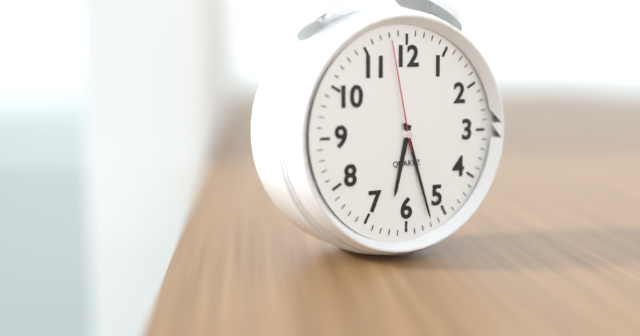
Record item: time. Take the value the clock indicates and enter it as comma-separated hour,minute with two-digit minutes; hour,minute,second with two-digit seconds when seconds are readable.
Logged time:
6,27,58
